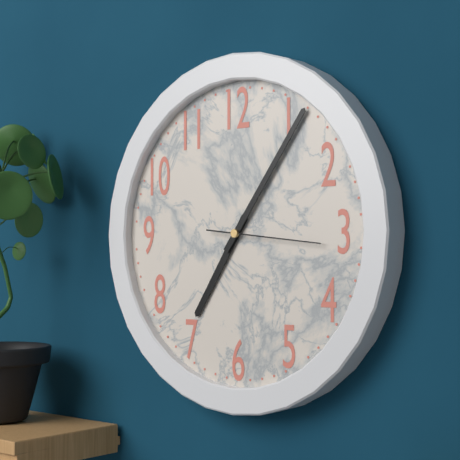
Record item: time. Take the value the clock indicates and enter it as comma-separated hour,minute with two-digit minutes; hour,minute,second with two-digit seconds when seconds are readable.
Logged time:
7,06,16
